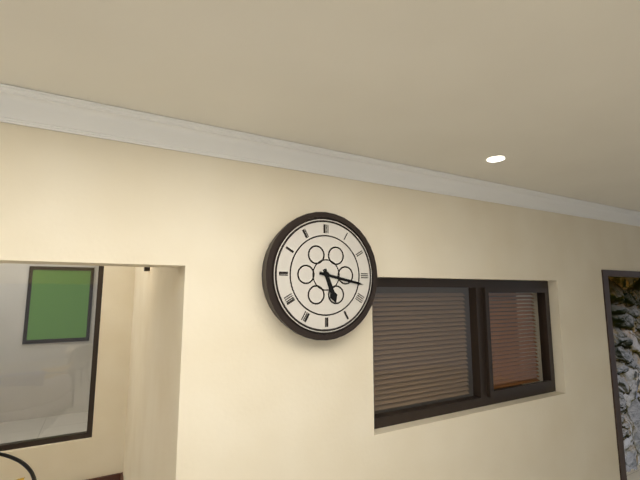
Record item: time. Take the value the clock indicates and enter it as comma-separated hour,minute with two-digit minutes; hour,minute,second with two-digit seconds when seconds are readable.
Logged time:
5,17
